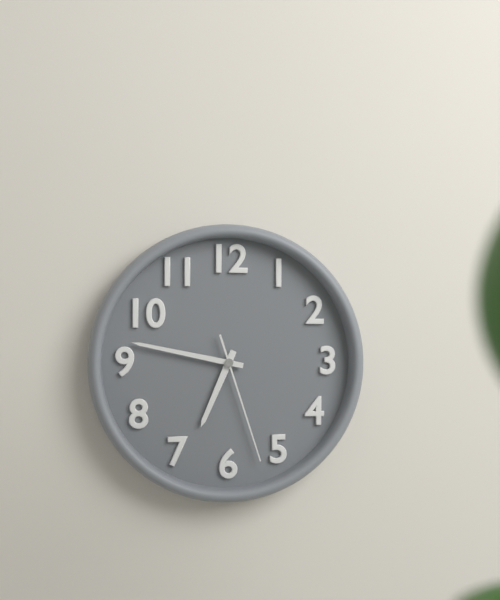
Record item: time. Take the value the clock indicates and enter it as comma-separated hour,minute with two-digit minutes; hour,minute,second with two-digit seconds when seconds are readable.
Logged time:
6,47,27
